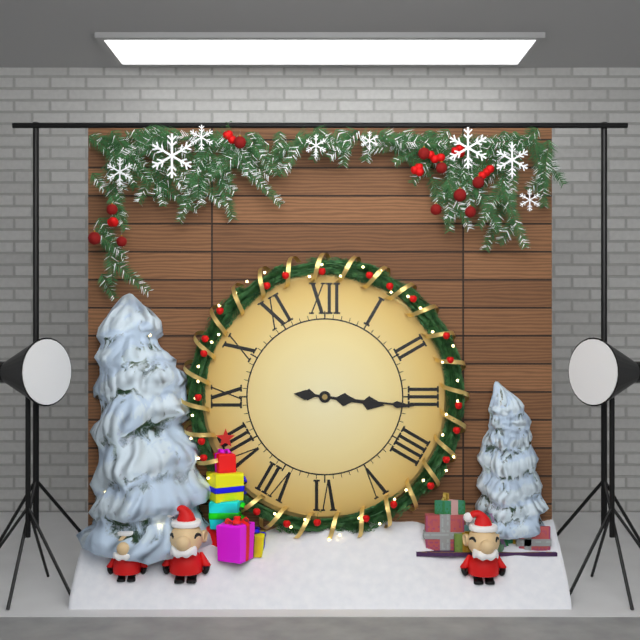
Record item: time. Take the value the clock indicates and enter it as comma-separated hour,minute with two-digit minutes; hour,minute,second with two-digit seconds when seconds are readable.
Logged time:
3,16
